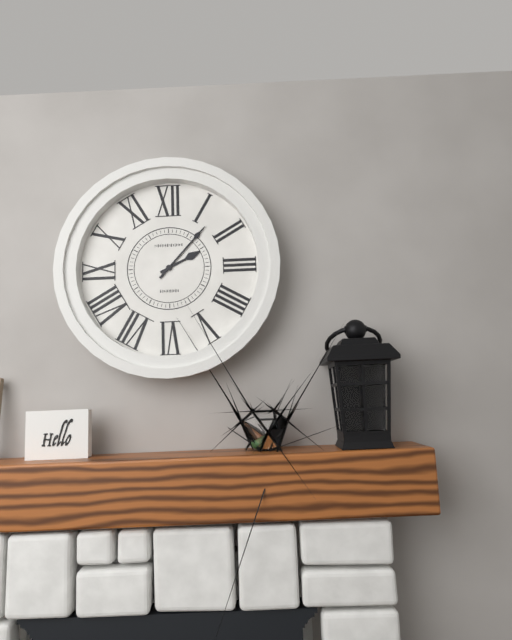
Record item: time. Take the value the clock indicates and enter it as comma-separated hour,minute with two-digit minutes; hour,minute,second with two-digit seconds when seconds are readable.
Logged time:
2,07
